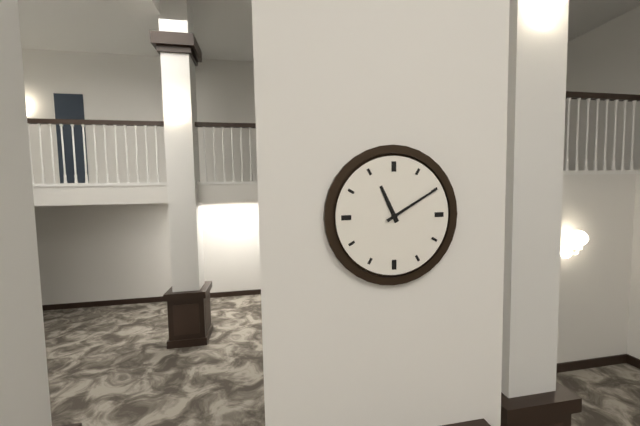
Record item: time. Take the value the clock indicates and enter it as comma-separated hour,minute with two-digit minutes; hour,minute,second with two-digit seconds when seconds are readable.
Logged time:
11,10
